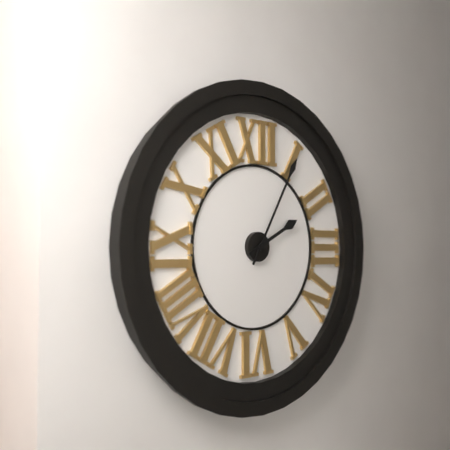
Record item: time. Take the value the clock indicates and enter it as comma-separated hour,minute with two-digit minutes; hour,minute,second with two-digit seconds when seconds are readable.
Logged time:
2,05
